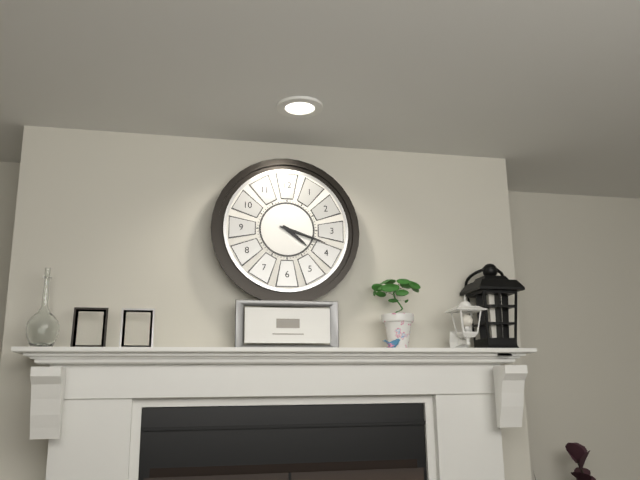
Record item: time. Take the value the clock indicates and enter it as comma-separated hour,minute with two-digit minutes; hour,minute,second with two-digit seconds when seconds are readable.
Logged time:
4,18
